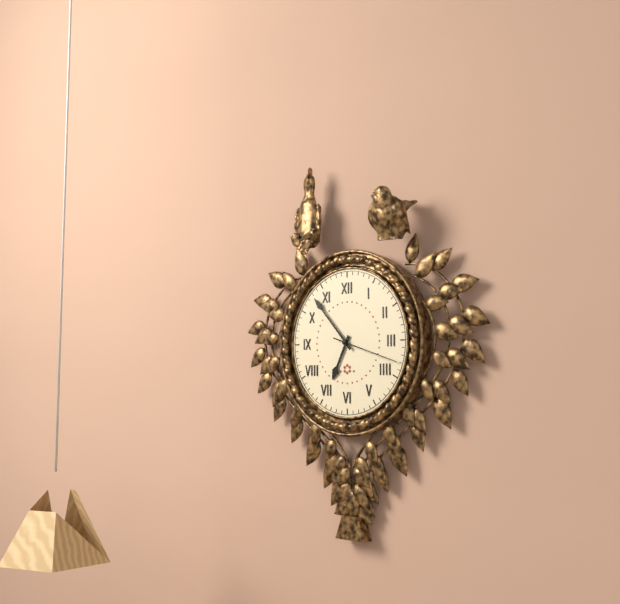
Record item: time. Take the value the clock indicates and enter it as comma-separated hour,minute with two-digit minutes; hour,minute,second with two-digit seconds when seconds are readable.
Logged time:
6,53,18
